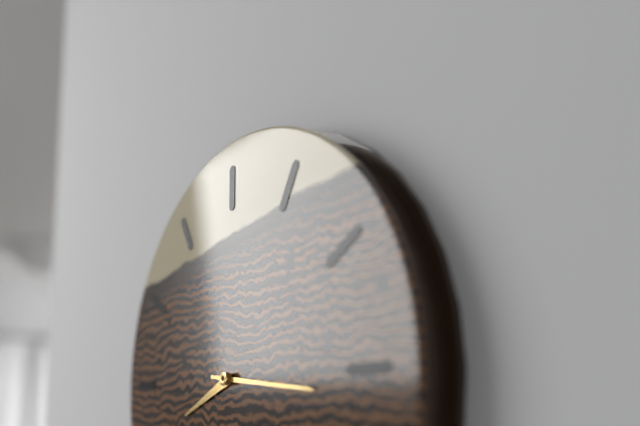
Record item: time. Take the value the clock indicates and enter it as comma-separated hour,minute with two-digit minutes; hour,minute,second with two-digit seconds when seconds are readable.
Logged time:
8,16
